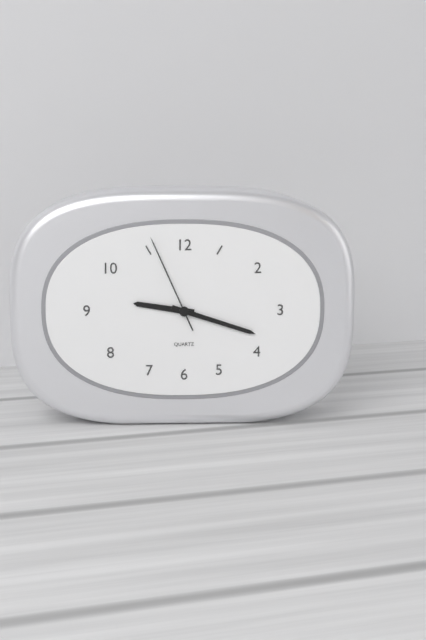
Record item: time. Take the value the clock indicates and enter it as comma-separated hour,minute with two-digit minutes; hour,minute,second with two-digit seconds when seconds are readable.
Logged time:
9,18,56
